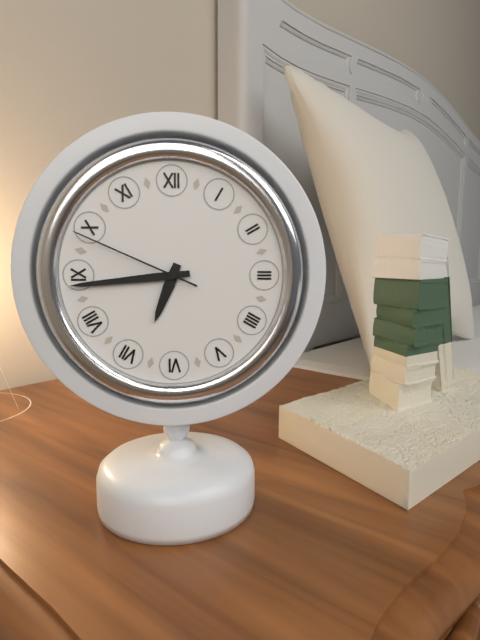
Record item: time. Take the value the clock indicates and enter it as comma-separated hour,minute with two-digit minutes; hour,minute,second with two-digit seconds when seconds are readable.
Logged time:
6,44,49
